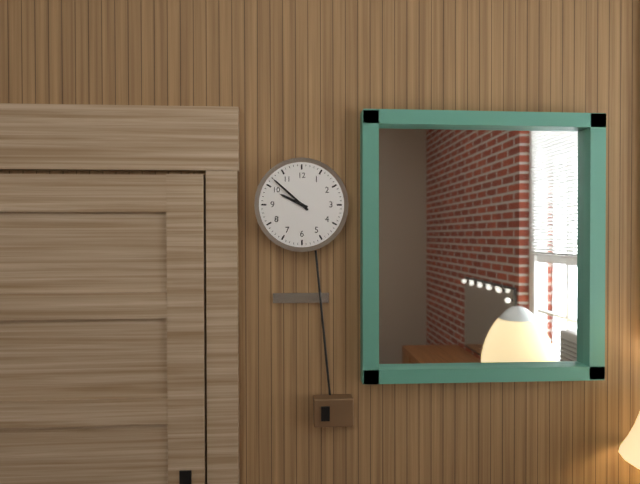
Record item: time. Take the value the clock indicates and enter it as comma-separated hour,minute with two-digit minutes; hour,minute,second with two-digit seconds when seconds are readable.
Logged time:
9,52
